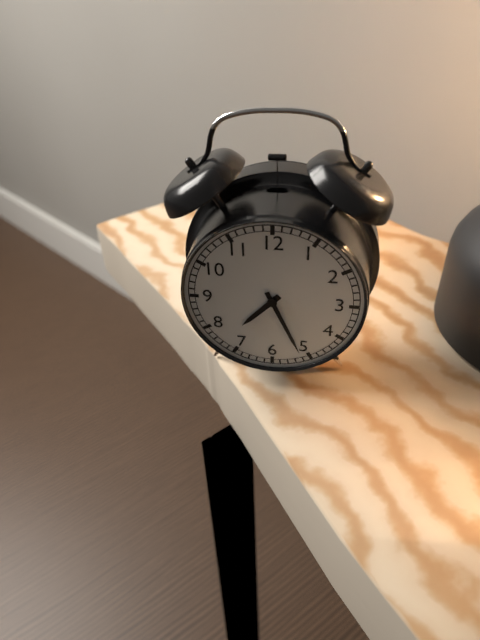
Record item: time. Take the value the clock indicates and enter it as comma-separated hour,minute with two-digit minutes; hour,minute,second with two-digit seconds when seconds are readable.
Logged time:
7,26
